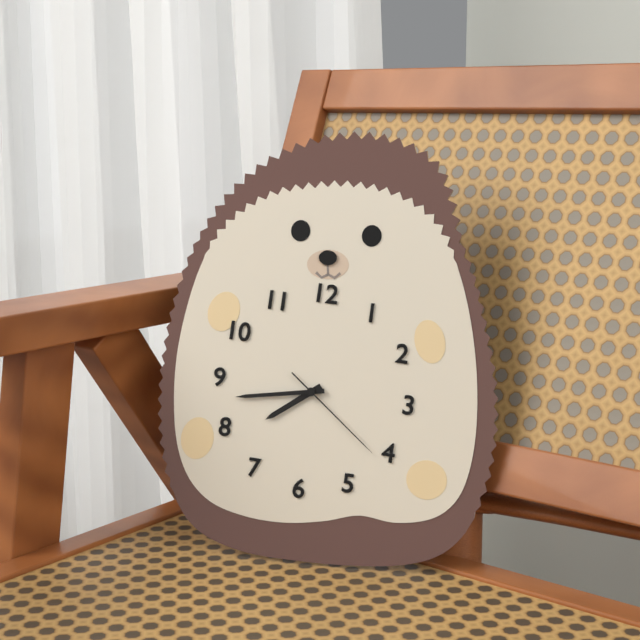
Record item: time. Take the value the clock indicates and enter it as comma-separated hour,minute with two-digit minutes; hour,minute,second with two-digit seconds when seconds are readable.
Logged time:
7,43,21
